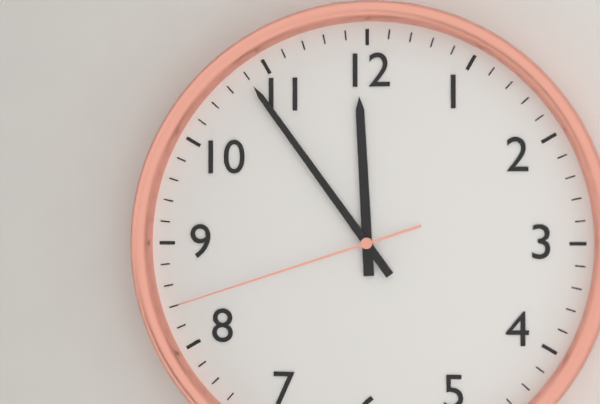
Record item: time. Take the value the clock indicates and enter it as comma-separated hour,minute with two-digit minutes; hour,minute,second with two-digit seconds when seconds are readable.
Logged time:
11,54,42
